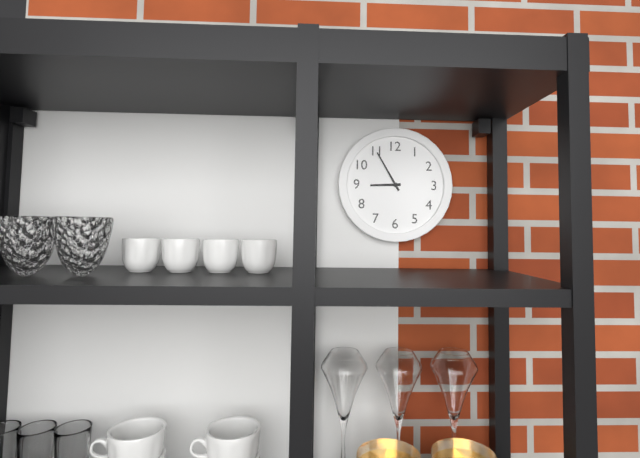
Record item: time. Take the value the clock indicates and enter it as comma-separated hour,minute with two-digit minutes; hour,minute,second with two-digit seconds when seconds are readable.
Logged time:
8,55
